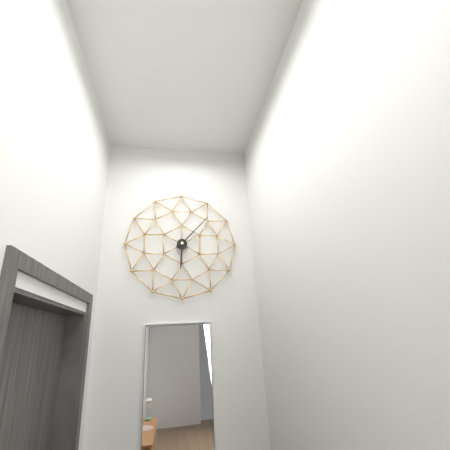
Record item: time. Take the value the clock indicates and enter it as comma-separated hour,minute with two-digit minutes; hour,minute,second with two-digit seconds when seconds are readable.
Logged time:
6,07
